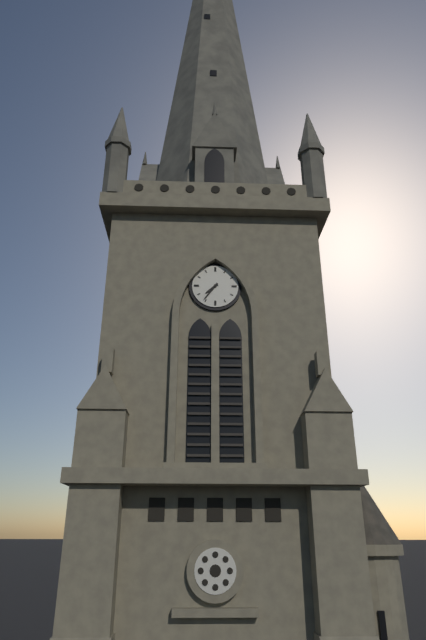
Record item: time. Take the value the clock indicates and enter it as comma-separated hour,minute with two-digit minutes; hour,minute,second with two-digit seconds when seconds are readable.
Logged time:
7,36
